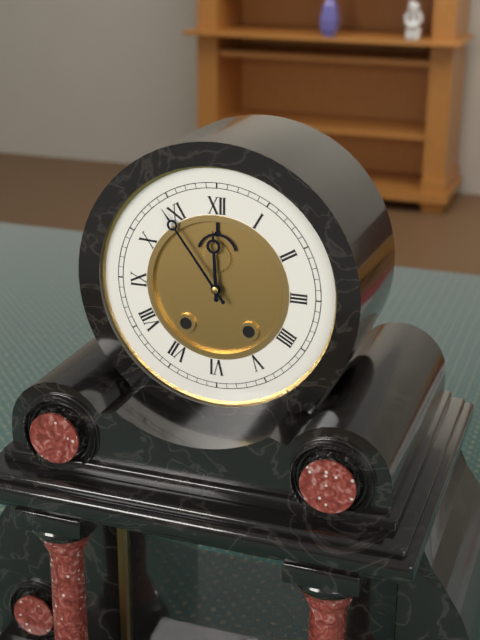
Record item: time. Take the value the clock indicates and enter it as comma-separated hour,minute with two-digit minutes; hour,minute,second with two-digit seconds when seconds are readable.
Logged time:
11,54
